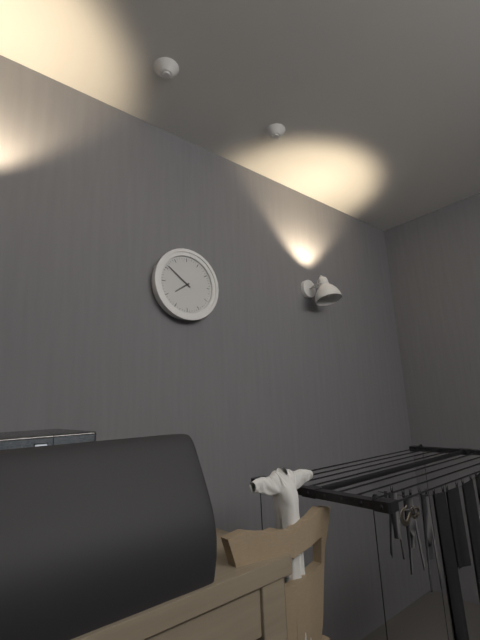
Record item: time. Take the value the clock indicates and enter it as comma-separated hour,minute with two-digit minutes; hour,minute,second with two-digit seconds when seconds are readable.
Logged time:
7,51
